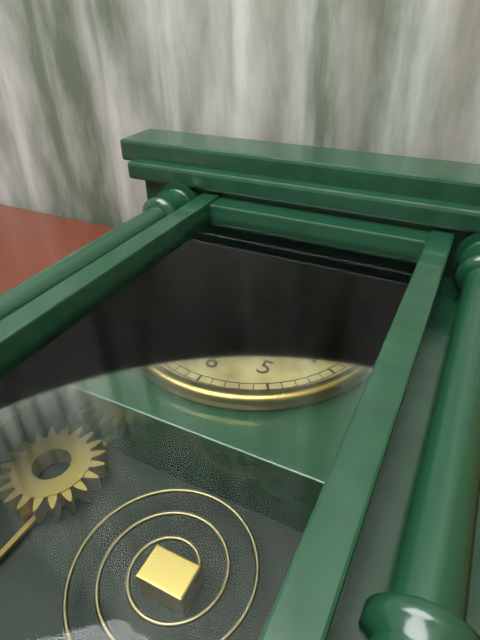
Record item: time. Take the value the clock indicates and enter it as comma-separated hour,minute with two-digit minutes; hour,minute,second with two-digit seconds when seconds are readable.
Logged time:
12,01
